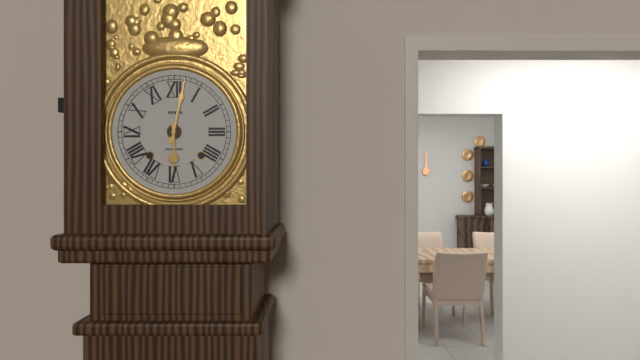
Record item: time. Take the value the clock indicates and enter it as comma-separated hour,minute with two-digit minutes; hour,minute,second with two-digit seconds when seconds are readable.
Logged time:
6,02
